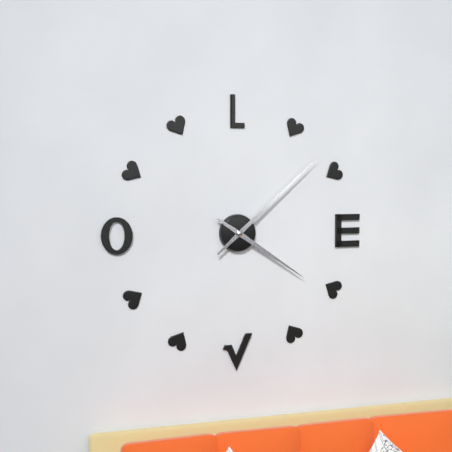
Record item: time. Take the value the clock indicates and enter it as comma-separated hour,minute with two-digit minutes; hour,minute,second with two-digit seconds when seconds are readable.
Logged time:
4,08
